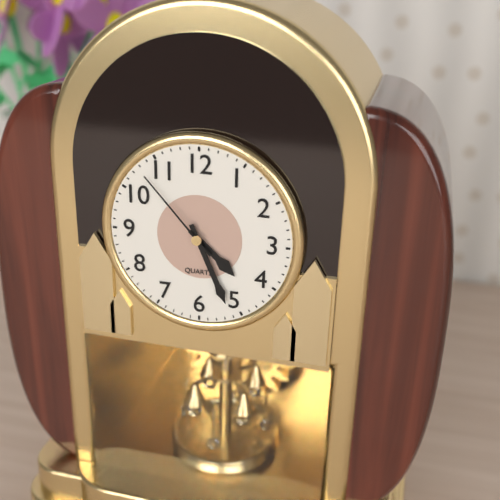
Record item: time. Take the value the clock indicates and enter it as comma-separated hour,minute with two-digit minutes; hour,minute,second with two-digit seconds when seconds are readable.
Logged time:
4,26,53
